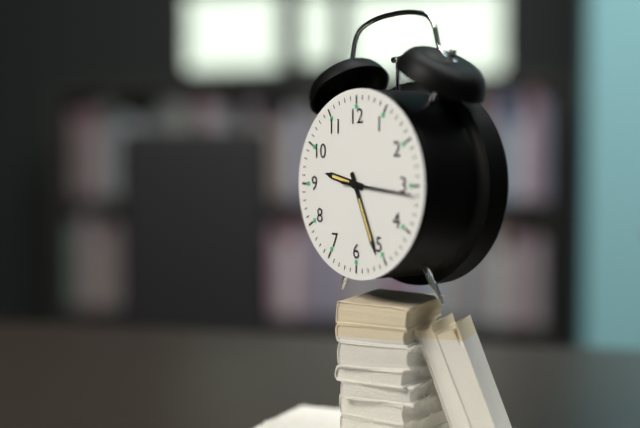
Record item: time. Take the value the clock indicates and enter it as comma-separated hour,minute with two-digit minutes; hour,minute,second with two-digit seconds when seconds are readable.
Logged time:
9,26,16
